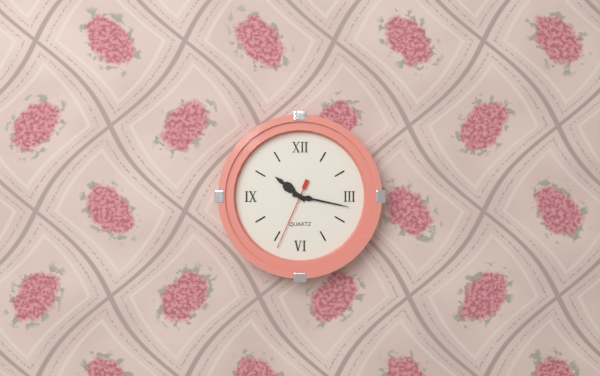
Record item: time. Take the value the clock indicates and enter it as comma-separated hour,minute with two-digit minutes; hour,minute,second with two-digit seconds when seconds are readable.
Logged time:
10,17,34
